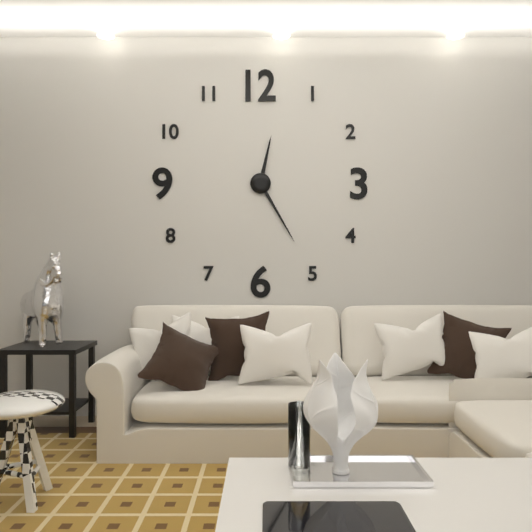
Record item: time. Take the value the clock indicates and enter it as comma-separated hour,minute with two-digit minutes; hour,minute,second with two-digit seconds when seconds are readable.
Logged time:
12,25
